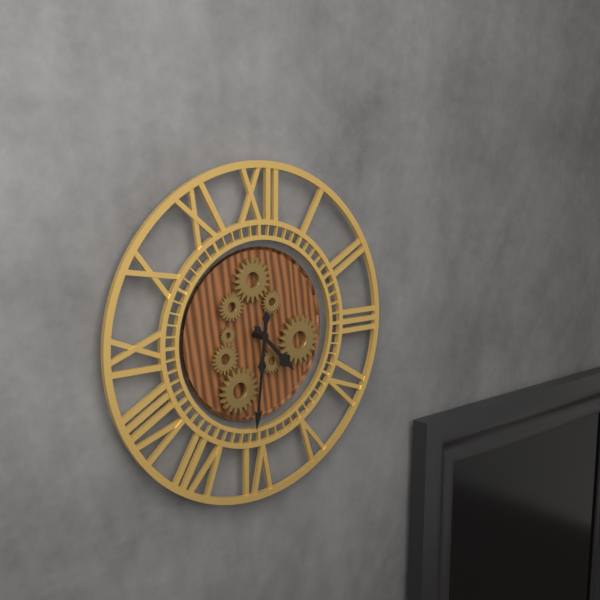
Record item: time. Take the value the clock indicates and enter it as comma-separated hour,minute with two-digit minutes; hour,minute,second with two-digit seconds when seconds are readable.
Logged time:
4,31
